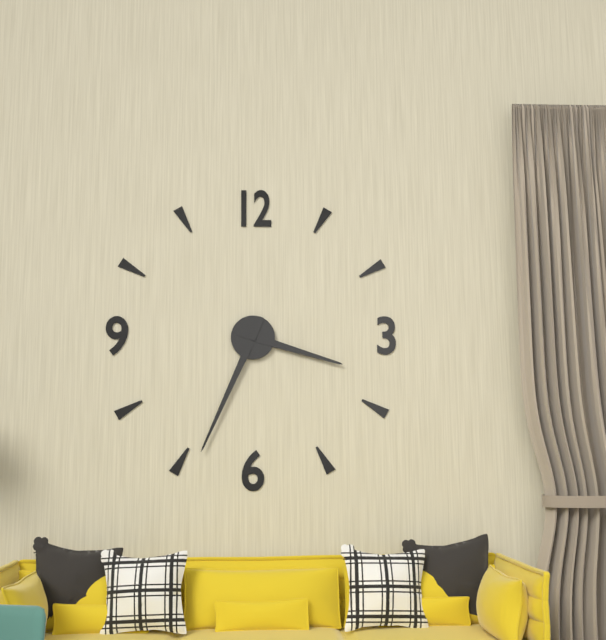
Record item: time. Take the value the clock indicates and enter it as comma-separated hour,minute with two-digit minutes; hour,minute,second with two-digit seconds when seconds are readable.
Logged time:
3,34
